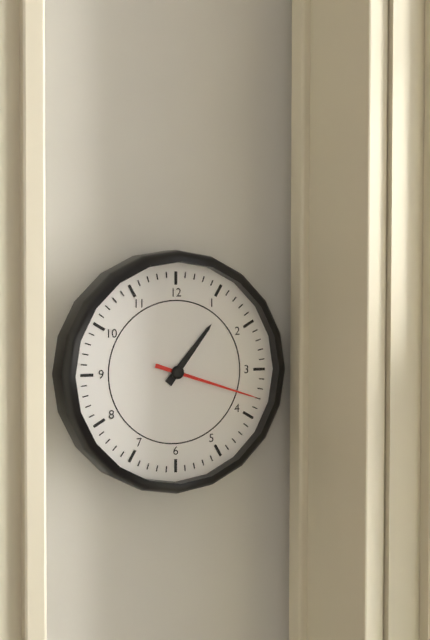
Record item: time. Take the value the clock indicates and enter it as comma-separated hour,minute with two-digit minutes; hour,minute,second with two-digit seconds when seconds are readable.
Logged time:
1,18
